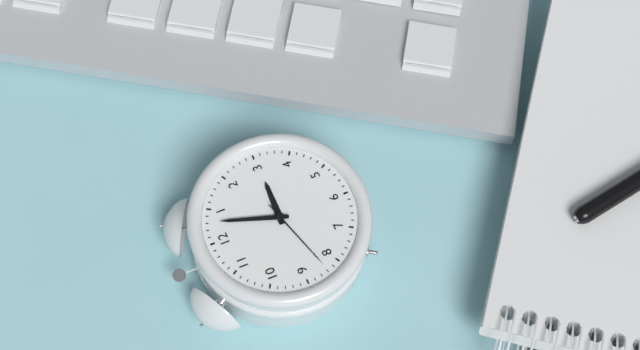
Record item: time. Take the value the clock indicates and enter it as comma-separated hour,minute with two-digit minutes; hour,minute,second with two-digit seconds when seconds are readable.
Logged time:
3,03,42
